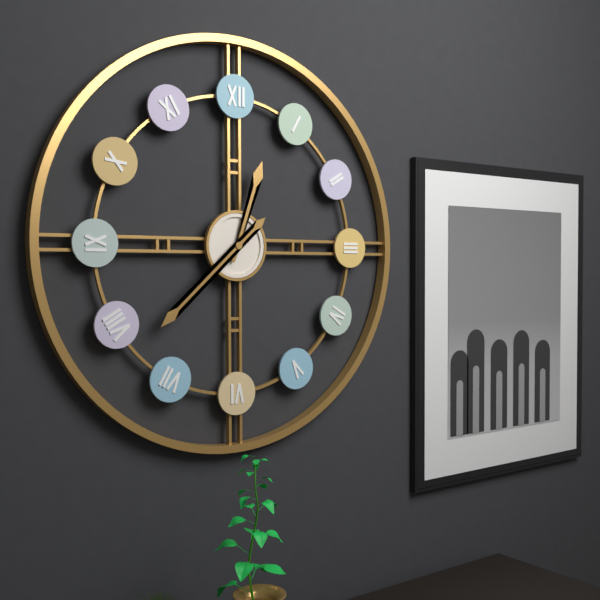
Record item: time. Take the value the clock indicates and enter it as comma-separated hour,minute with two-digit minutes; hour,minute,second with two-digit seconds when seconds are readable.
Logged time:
12,38
